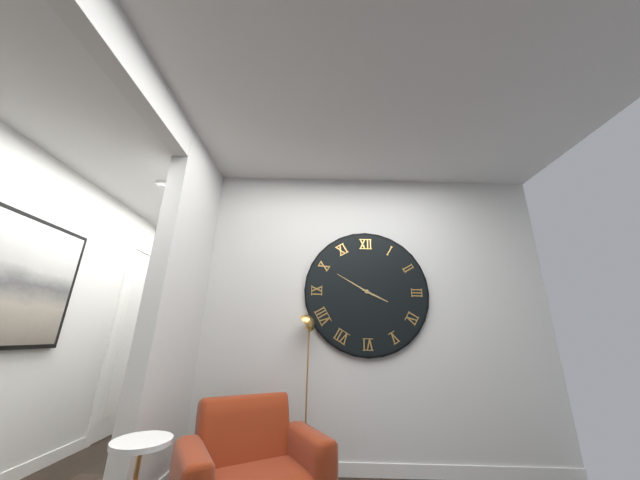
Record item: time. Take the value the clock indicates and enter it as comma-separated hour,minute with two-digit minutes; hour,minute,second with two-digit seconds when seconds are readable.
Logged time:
3,50
